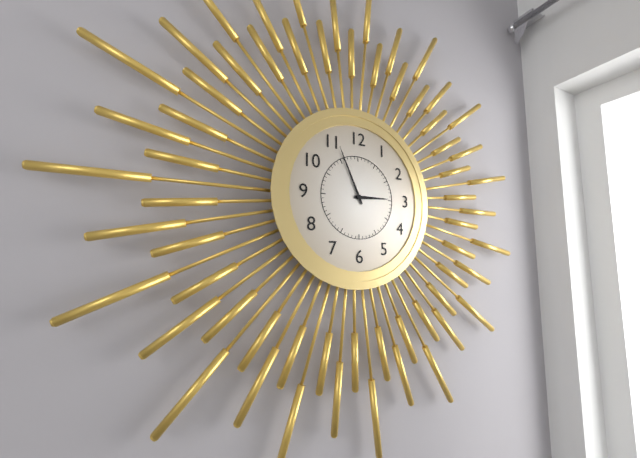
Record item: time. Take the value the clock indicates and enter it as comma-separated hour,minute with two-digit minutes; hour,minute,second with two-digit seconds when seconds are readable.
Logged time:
2,56
